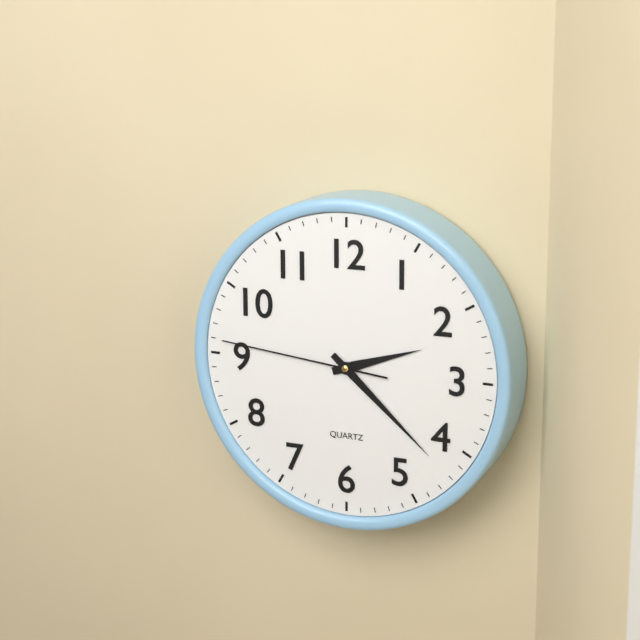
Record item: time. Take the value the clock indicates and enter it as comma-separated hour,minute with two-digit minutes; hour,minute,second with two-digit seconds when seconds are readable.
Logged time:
2,22,46
